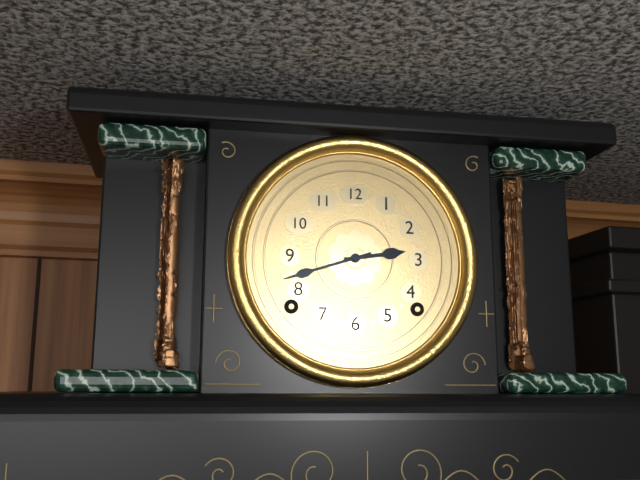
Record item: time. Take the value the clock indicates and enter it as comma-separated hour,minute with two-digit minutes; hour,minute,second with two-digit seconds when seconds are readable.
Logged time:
2,42
